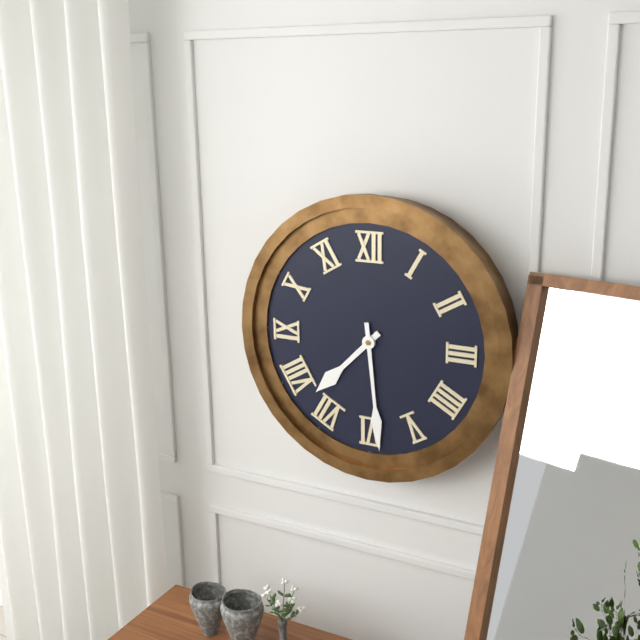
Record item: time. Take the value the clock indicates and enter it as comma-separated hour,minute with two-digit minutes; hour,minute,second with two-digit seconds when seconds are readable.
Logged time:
7,29
